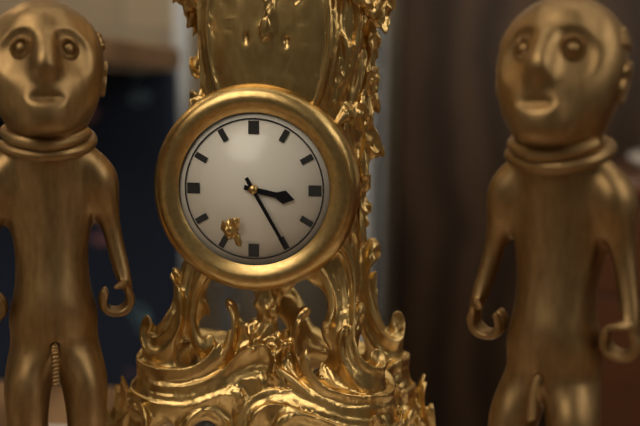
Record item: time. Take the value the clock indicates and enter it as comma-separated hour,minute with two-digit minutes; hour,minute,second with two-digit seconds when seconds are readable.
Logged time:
3,25
